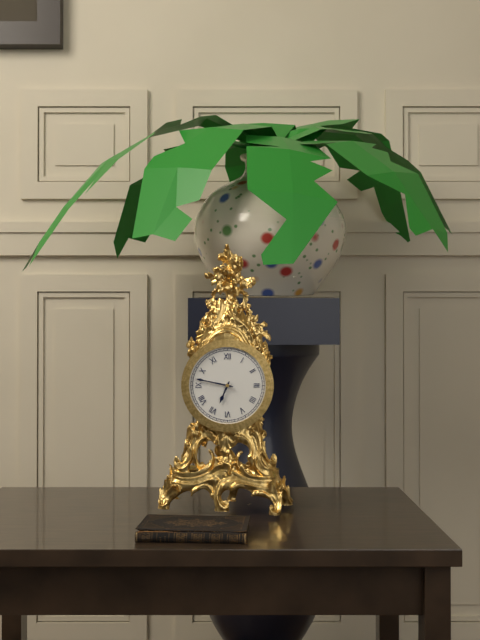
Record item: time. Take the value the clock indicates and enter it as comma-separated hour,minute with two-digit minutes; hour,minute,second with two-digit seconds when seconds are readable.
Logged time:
6,47
